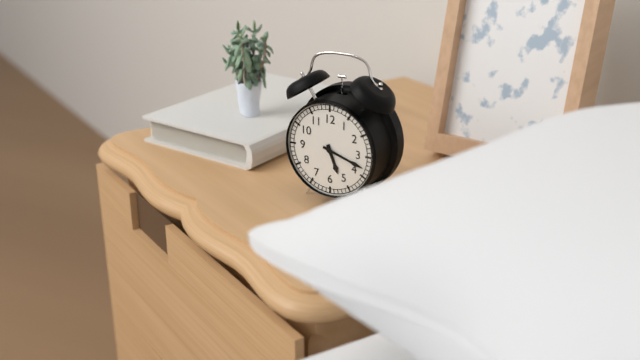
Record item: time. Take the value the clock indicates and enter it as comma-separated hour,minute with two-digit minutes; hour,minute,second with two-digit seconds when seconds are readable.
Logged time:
5,18
